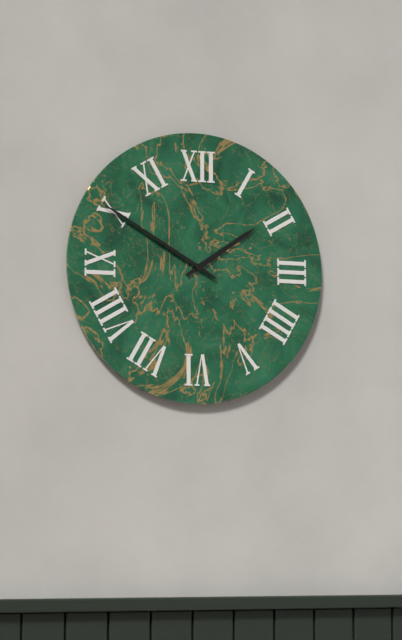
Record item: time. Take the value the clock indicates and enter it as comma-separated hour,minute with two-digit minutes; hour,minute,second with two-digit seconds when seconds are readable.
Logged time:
1,50
